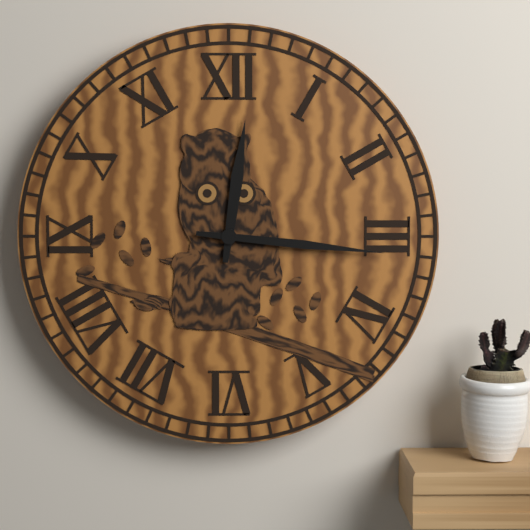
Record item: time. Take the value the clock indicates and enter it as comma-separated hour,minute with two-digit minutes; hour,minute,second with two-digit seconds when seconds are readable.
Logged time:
12,16
